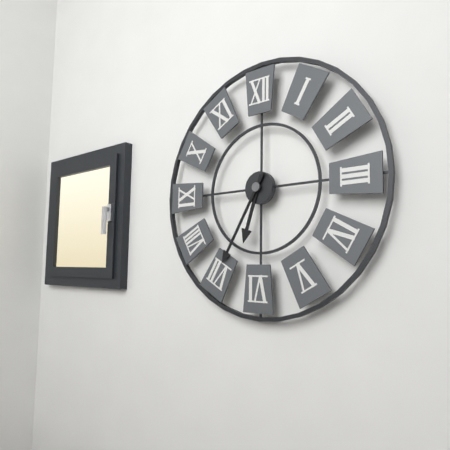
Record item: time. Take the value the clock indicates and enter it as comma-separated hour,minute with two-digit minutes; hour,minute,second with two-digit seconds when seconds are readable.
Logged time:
6,35
